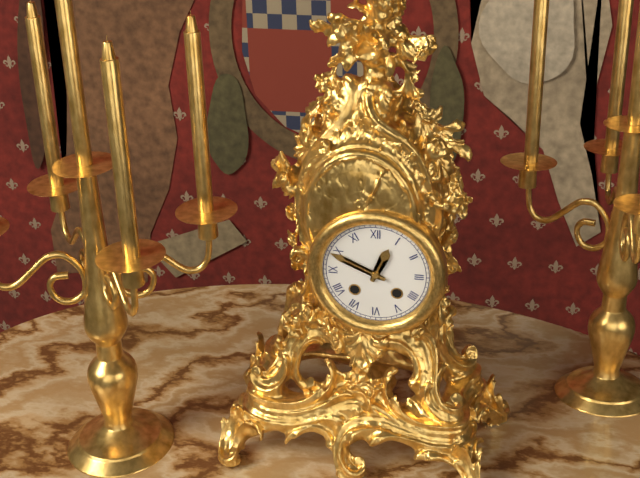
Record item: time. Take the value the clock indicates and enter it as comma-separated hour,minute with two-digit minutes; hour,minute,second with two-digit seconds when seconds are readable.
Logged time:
12,49
